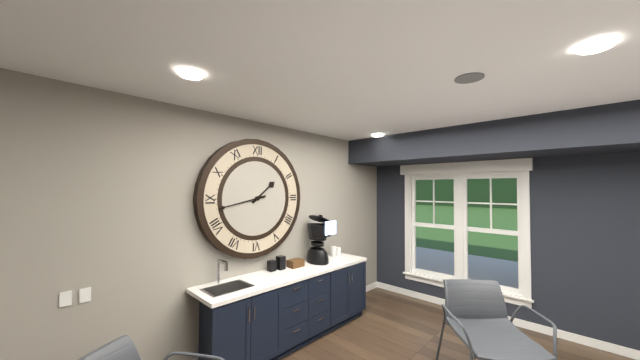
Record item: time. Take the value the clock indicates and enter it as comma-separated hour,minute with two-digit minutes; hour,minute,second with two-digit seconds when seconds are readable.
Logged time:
1,43
